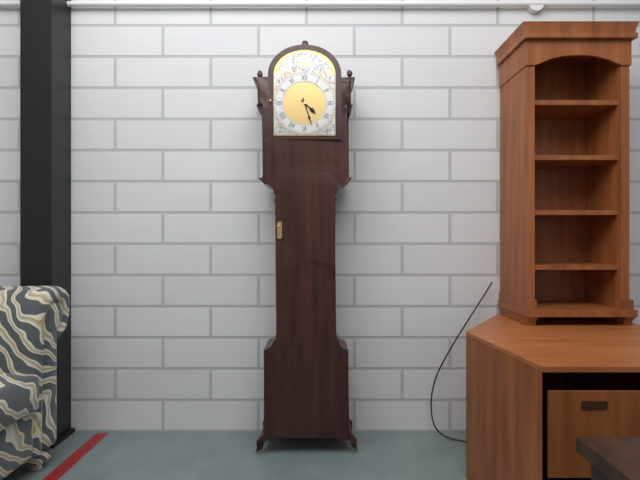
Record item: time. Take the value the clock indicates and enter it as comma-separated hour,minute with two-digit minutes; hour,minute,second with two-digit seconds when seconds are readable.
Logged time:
4,27
